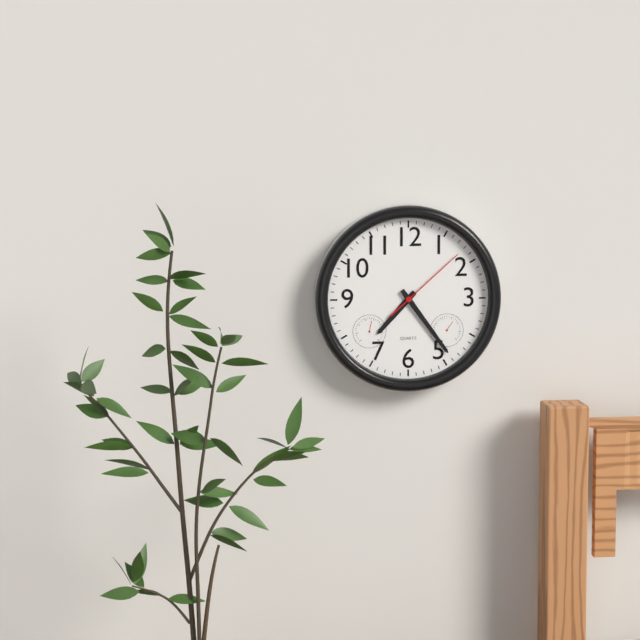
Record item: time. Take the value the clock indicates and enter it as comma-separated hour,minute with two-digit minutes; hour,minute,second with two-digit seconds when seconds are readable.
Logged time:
7,24,08
